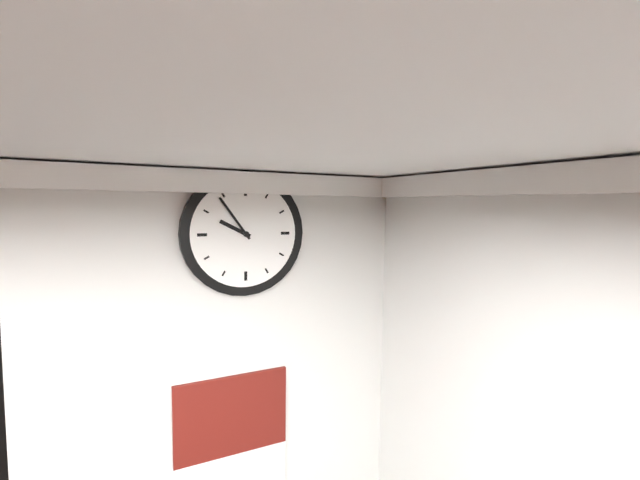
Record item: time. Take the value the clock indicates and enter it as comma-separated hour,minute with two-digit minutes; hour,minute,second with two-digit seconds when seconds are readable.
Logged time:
9,54
